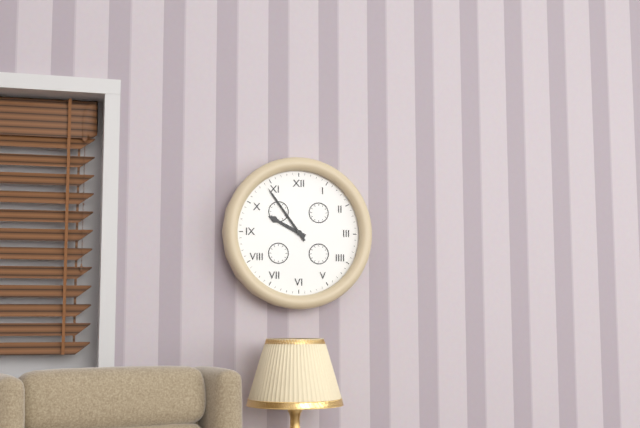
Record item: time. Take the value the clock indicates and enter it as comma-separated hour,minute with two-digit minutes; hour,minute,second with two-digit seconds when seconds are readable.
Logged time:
9,54
